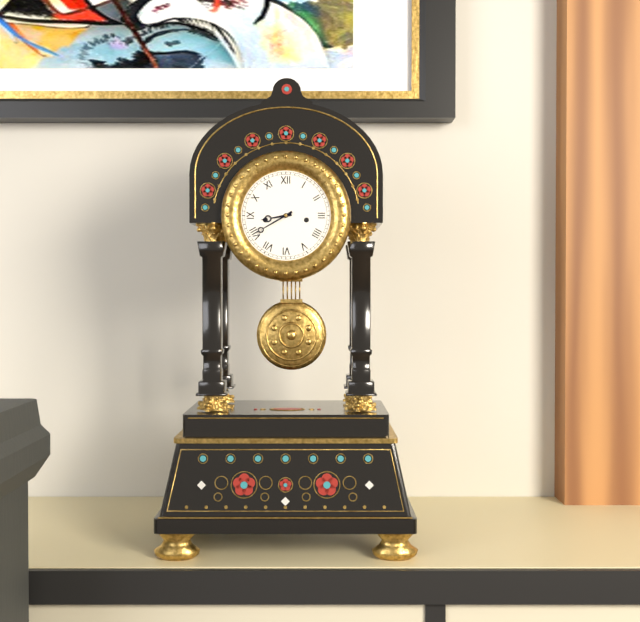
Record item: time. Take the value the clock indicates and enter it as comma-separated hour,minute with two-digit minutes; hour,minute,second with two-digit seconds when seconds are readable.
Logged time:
8,40
